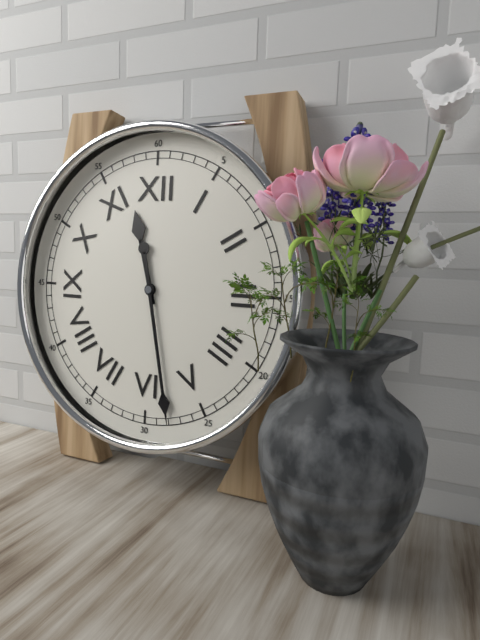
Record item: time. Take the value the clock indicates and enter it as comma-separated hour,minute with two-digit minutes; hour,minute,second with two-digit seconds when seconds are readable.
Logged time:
11,28
